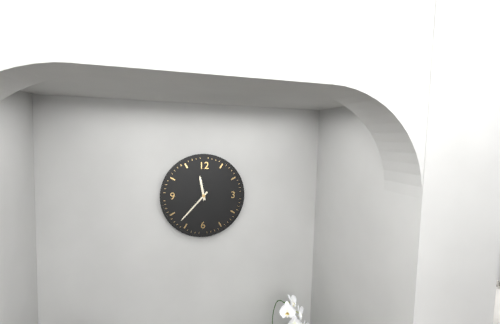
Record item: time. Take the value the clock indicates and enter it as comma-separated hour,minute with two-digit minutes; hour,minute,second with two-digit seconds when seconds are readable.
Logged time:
11,37
